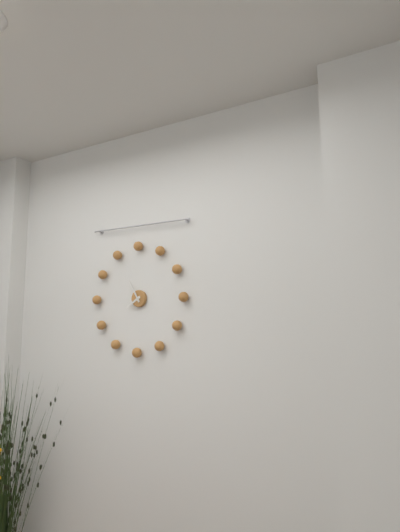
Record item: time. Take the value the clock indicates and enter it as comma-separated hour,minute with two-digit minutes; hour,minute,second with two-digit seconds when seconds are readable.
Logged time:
7,55
